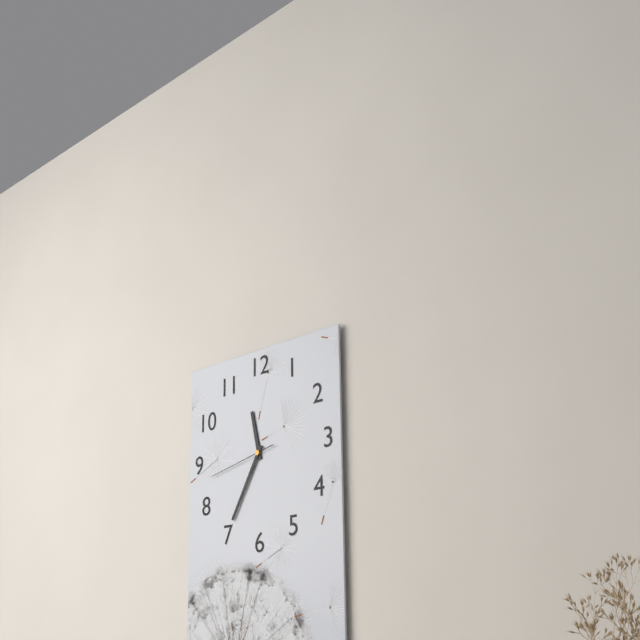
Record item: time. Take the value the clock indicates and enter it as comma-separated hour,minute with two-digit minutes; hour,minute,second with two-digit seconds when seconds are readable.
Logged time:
11,35,43
